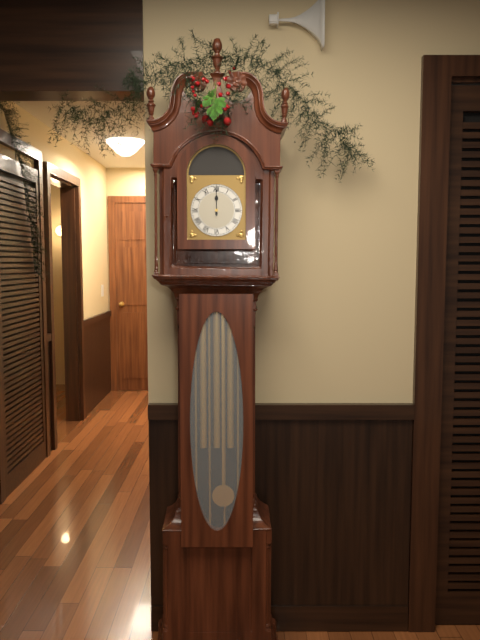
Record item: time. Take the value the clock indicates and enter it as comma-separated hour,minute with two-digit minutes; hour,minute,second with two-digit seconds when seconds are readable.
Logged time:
12,00
